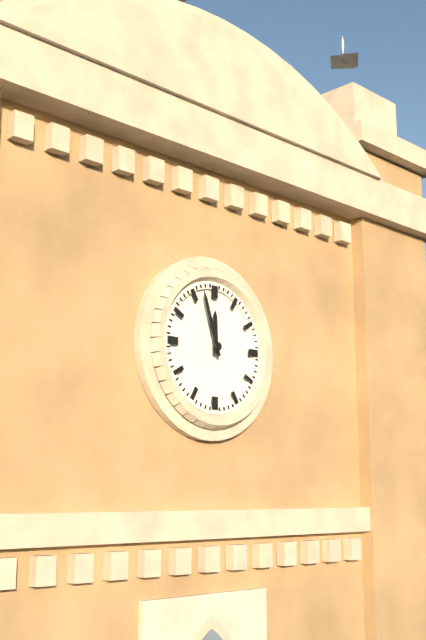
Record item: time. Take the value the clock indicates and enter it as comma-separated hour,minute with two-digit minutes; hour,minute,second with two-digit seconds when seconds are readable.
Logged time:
11,57
